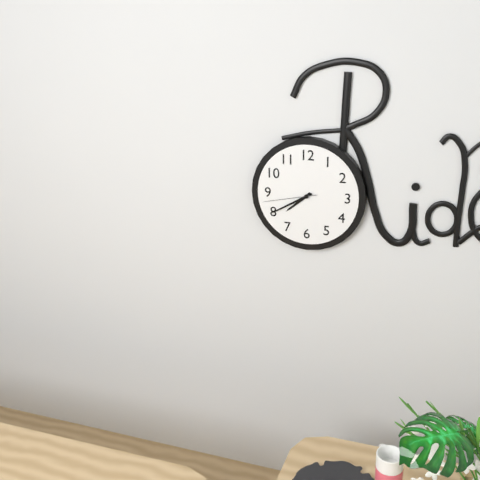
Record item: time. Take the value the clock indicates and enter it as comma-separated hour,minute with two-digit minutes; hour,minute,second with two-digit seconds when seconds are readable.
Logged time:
7,40,43
